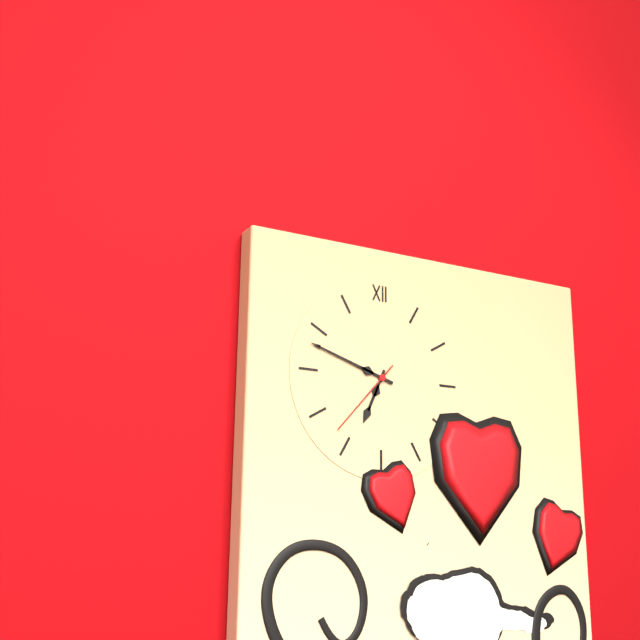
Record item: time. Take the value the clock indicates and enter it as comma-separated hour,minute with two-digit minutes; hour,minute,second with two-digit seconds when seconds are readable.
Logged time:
6,48,37
